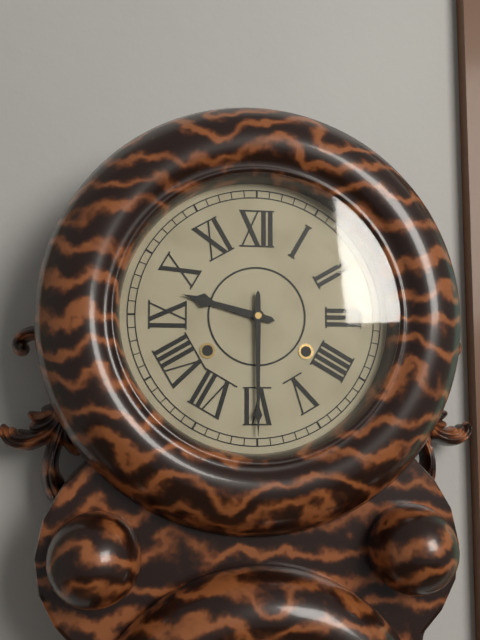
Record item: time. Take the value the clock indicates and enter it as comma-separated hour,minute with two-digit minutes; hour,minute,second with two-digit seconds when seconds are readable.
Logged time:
9,30
